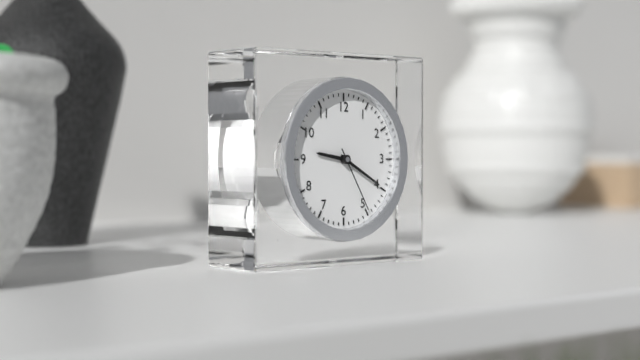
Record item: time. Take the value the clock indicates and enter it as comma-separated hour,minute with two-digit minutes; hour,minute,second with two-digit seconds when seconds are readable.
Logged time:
9,20,25
